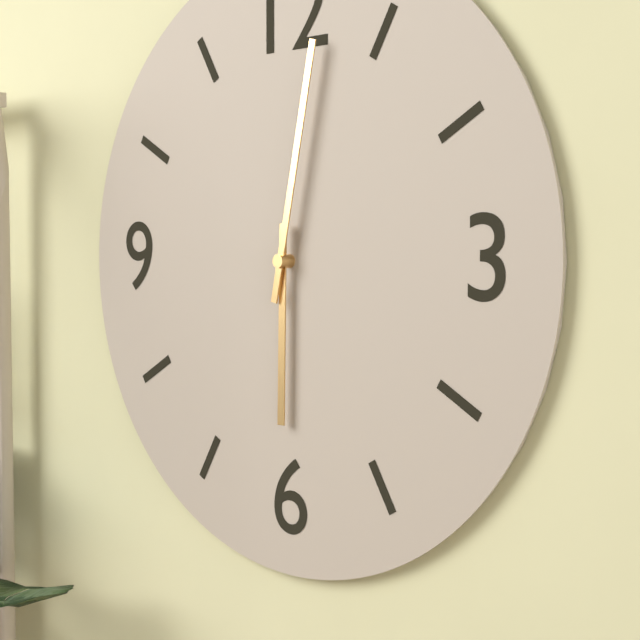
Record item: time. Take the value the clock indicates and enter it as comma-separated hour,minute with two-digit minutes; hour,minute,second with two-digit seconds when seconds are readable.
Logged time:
6,02
